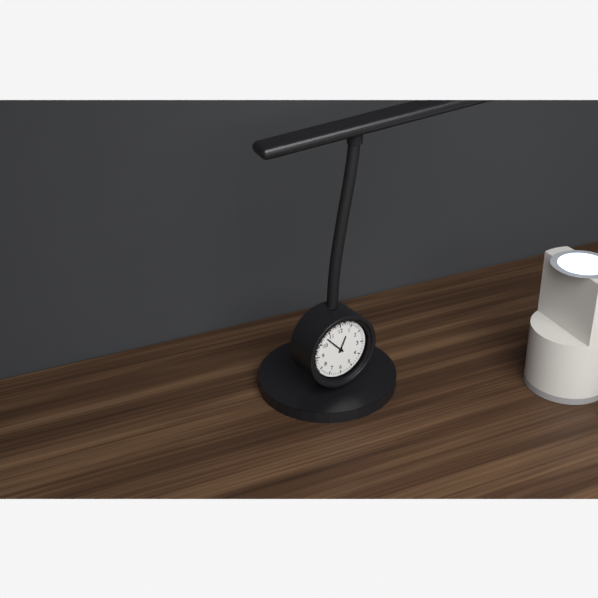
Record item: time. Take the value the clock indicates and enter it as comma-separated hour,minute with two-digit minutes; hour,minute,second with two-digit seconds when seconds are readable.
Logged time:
12,53
